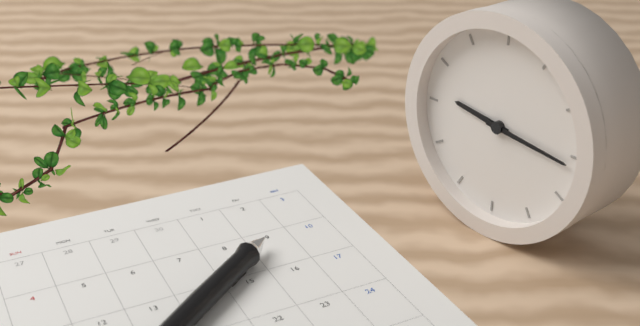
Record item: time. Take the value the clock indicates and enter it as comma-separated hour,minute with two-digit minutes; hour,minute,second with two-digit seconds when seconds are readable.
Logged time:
9,16
